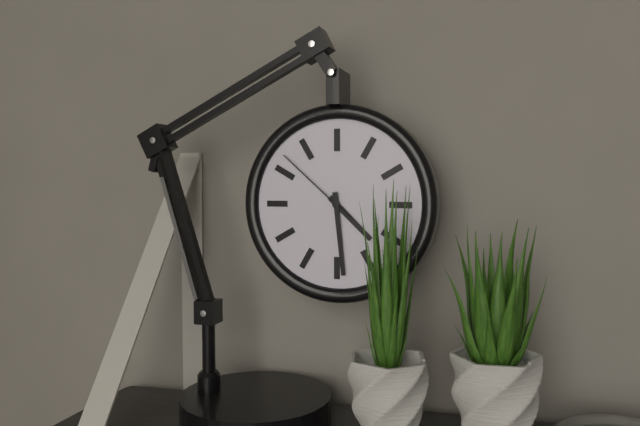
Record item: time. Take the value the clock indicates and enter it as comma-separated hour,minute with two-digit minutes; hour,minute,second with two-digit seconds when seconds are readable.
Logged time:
4,29,52
